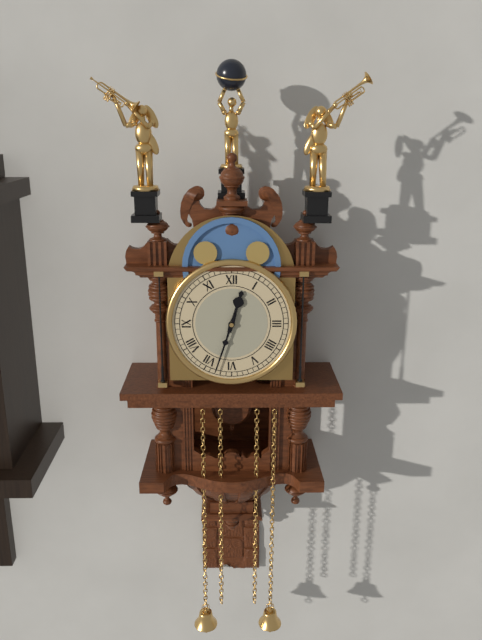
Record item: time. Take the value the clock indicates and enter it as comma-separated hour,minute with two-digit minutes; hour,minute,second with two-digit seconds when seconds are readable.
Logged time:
12,33
